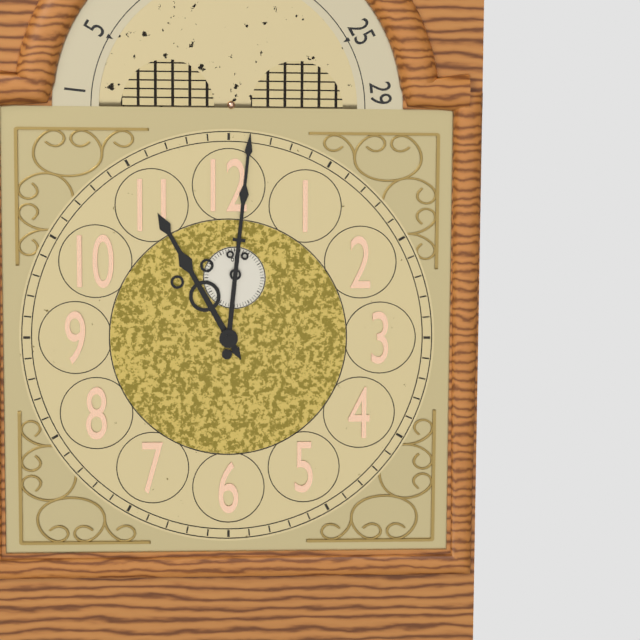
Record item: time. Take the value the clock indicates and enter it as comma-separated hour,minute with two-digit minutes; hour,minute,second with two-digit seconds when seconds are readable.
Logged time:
11,01
